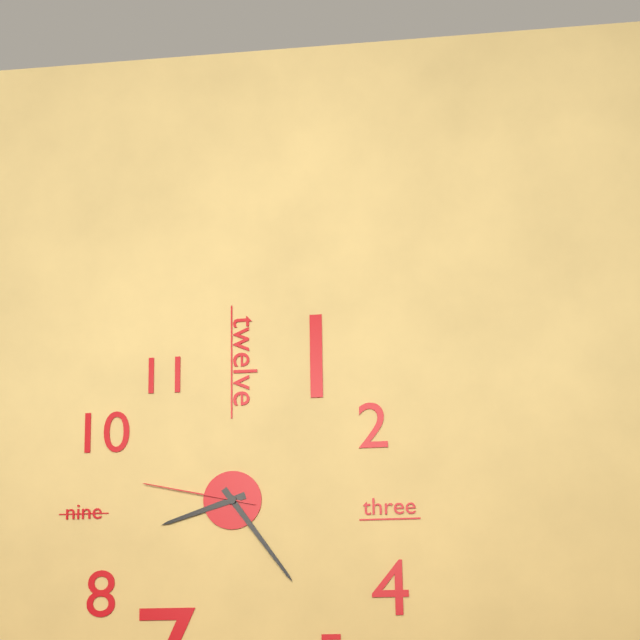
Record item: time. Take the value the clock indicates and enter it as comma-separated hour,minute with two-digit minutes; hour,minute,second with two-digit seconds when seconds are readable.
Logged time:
8,24,47
